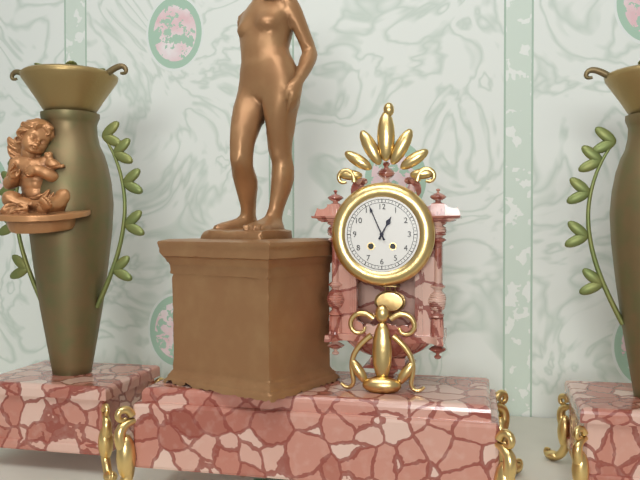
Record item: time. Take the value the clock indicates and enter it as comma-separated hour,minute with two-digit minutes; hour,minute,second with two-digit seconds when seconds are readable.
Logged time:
12,56
